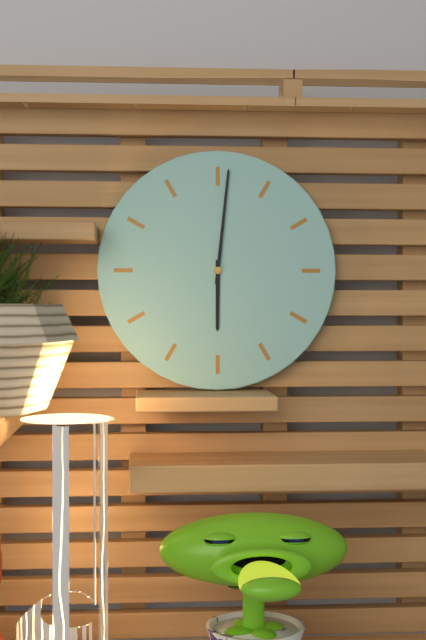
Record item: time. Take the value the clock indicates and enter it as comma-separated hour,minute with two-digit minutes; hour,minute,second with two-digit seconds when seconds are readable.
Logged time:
6,01
